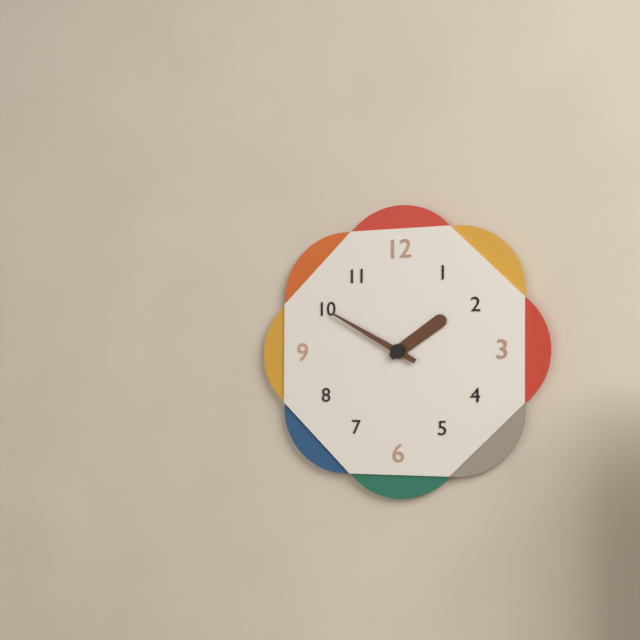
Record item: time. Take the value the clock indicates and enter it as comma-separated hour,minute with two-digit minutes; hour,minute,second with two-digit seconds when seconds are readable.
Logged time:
1,50
